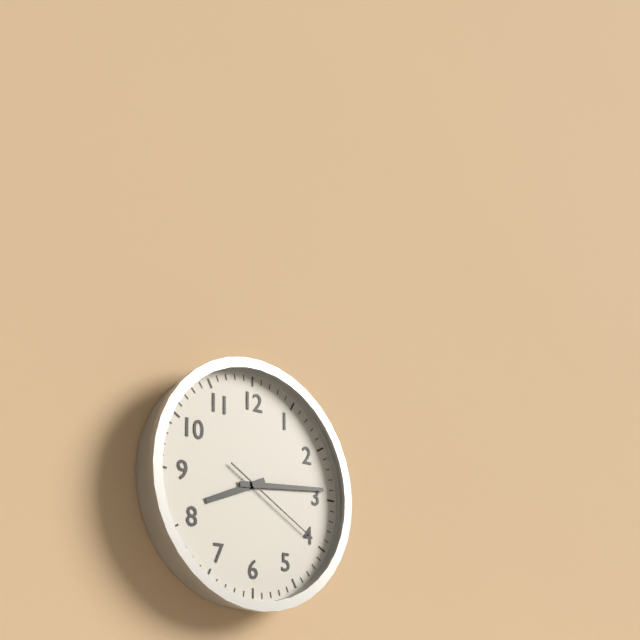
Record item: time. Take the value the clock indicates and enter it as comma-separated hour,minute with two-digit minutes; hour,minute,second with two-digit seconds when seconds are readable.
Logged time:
8,14,20
